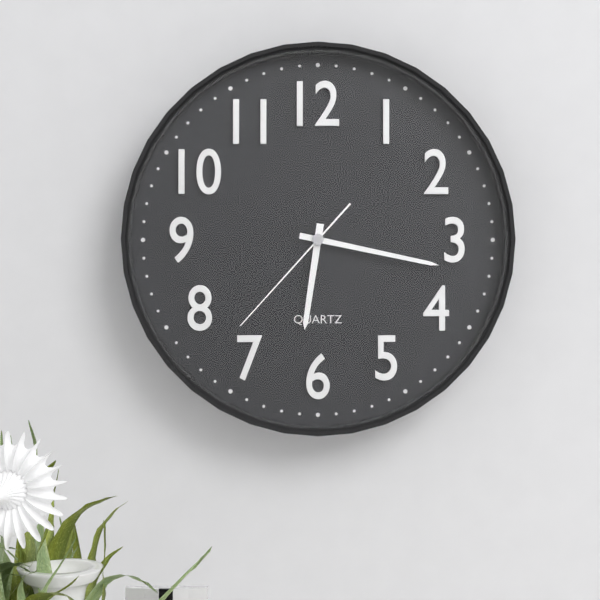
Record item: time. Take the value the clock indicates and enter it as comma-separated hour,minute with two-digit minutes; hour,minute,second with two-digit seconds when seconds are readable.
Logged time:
6,17,37
